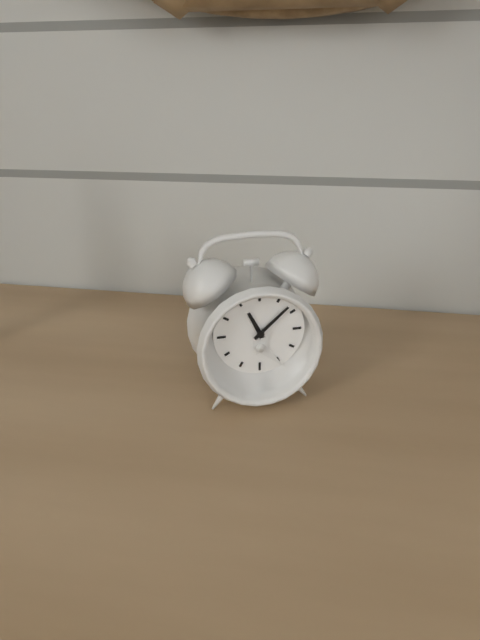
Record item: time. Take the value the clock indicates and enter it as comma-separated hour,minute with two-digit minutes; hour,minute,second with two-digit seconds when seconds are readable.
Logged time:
11,08
